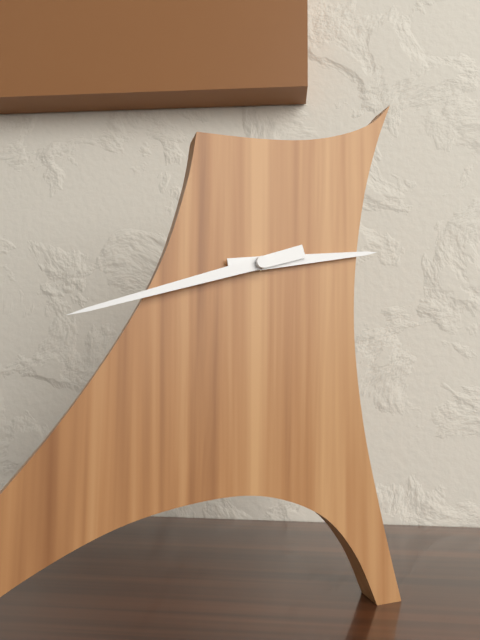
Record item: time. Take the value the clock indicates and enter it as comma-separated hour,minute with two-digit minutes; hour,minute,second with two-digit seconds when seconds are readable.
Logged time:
2,42
